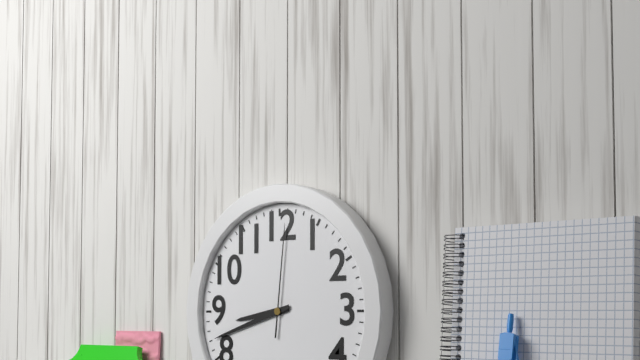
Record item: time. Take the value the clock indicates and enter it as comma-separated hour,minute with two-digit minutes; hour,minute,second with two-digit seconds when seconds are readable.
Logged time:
8,42,01
